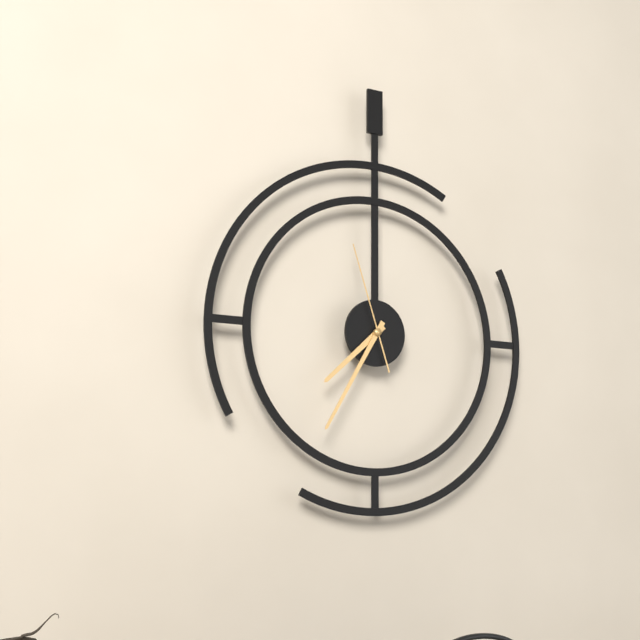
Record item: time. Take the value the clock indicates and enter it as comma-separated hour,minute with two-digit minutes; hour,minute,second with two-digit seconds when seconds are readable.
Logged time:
7,35,57
